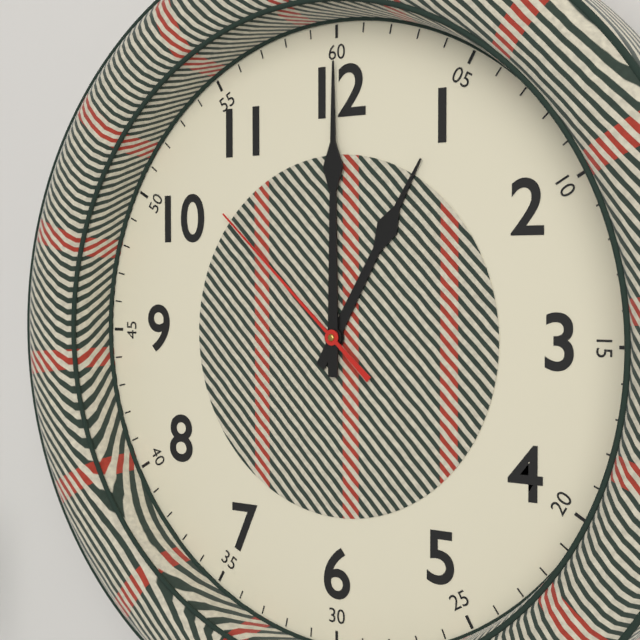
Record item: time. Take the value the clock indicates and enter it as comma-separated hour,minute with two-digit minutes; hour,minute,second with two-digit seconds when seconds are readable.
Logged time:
1,00,52
